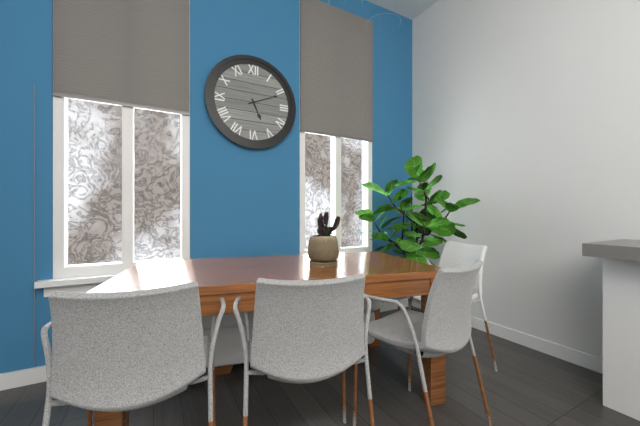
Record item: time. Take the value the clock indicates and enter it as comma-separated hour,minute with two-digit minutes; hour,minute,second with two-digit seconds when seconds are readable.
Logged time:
5,11
